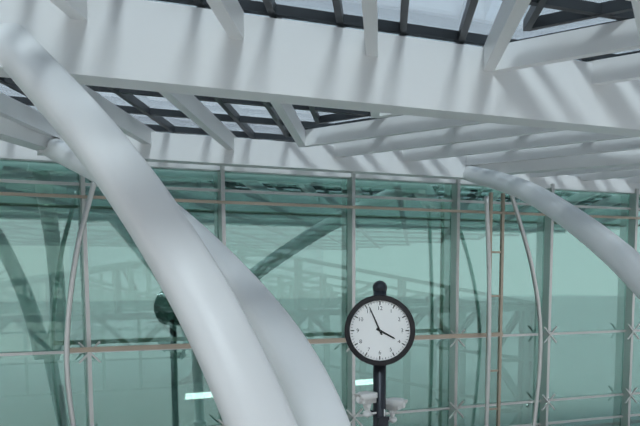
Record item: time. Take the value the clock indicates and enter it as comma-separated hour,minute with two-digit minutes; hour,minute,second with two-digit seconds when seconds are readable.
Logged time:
3,56
